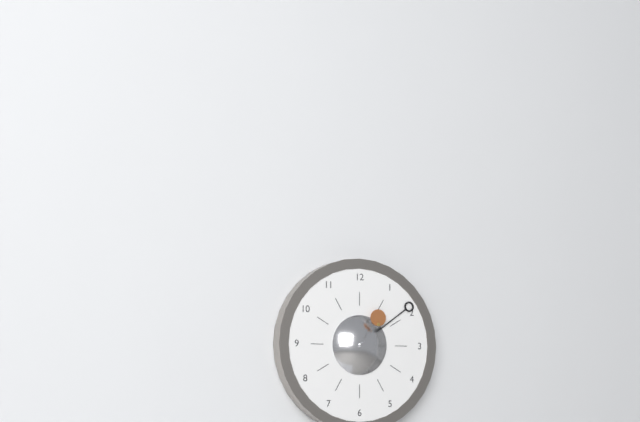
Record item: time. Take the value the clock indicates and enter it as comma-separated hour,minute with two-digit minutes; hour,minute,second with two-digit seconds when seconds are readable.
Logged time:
1,09
